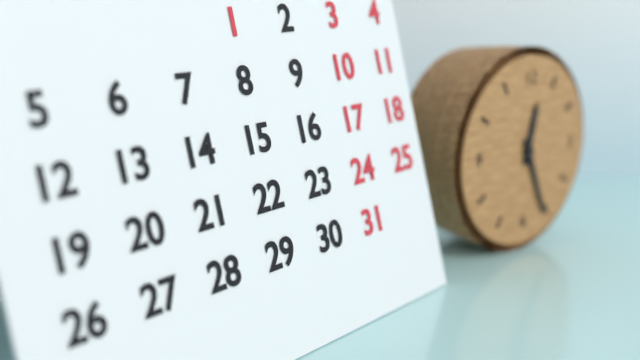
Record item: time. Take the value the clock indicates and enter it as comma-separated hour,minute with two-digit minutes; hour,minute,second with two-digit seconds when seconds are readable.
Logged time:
12,26
